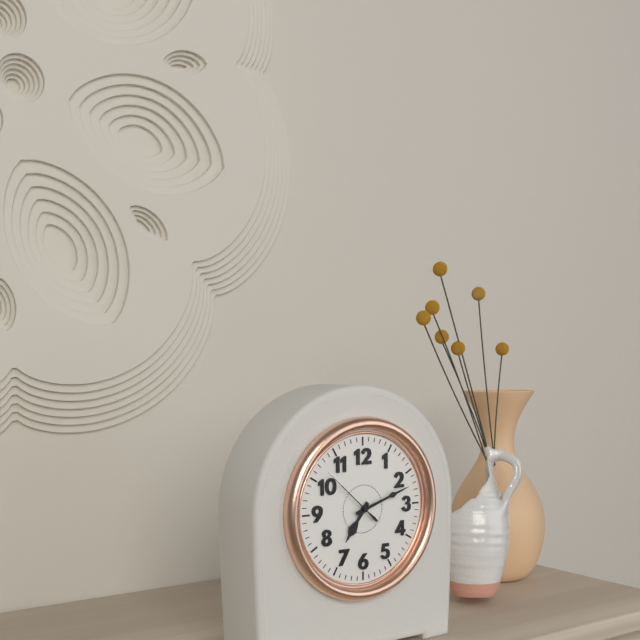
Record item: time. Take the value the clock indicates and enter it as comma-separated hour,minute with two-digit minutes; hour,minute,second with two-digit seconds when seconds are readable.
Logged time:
7,12,52
